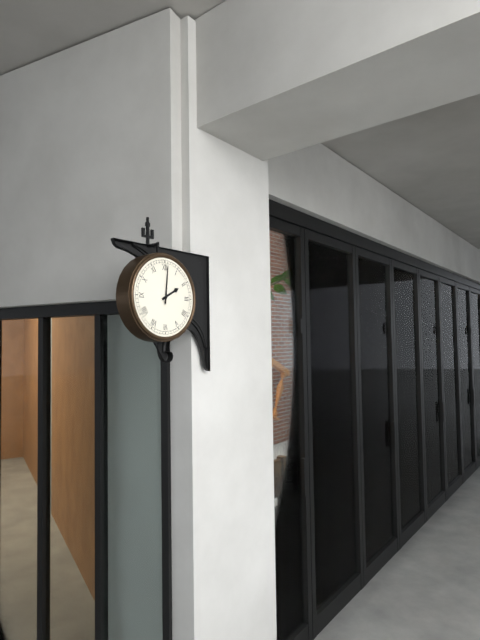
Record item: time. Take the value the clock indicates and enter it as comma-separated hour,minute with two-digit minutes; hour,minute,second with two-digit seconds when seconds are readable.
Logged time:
2,01
